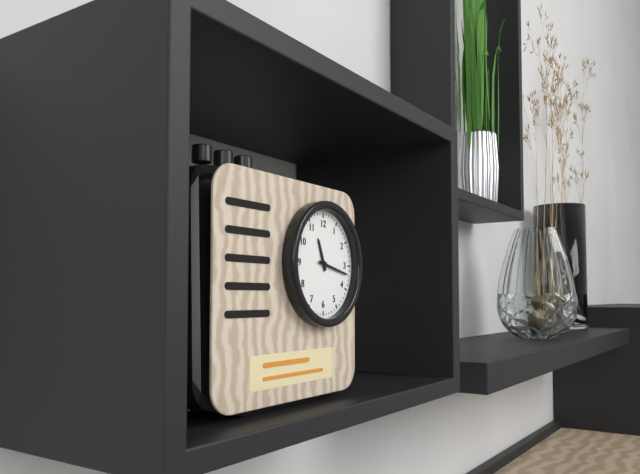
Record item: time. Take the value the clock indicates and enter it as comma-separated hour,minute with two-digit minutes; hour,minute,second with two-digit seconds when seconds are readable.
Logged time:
11,17
